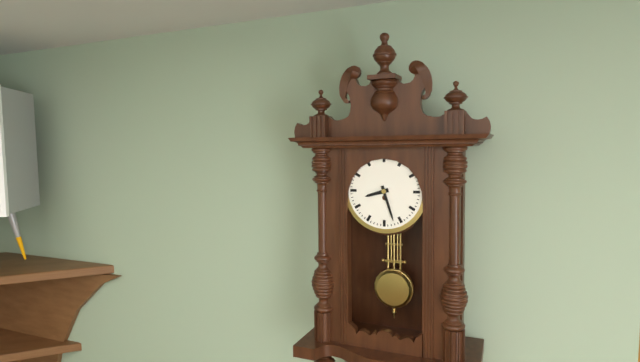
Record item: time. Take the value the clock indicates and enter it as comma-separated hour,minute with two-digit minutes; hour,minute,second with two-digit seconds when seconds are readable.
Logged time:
8,27
